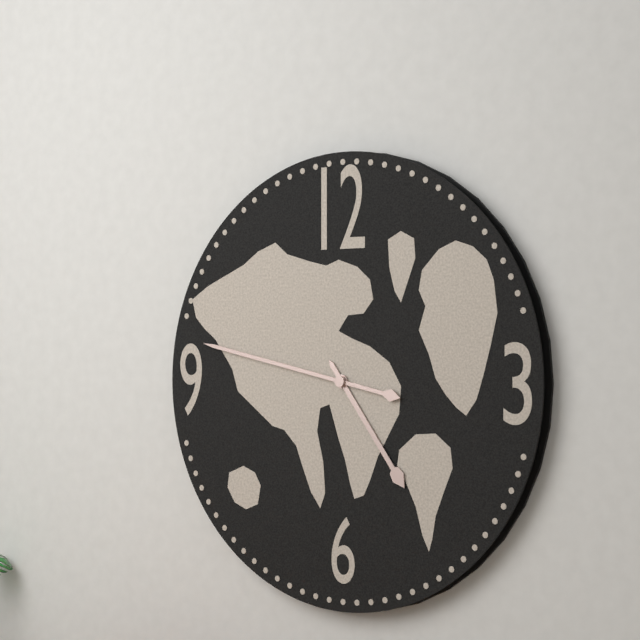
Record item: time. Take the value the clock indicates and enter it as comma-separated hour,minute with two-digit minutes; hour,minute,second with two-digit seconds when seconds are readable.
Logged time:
4,47
